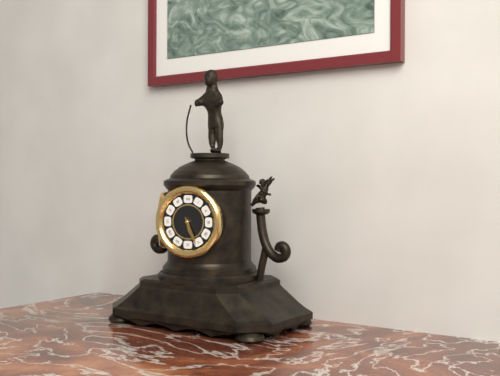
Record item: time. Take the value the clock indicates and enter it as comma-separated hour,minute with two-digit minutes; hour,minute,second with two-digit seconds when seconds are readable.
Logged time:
5,26
